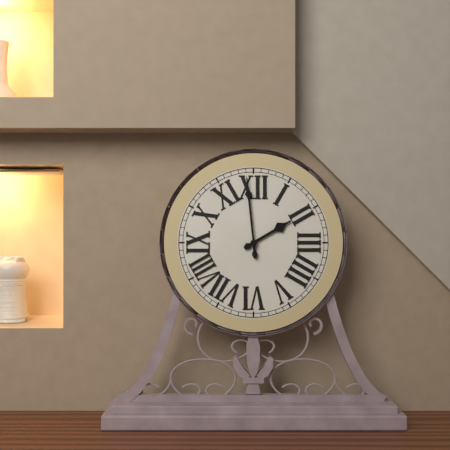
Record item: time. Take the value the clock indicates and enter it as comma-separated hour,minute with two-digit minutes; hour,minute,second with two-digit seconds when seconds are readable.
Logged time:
1,59
